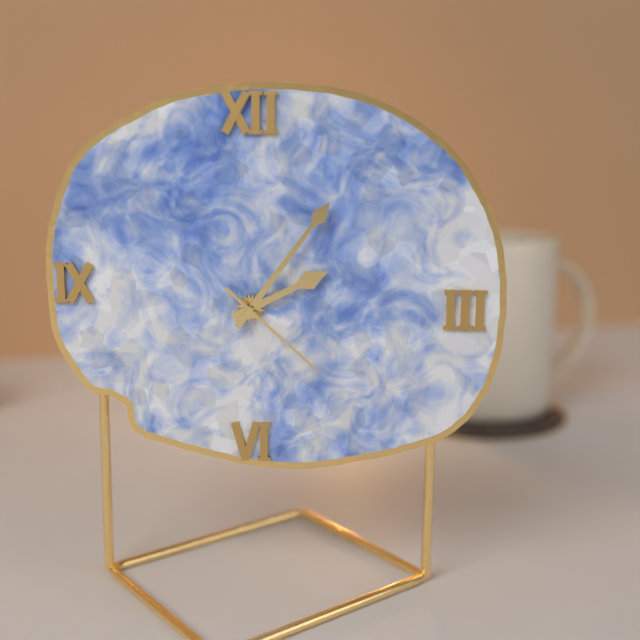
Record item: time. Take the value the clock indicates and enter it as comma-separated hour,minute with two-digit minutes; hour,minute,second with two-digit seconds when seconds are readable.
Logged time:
2,06,22
